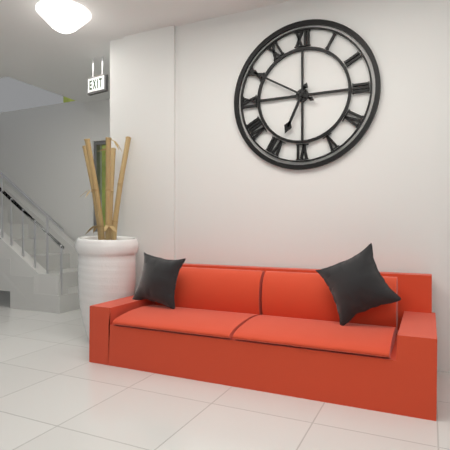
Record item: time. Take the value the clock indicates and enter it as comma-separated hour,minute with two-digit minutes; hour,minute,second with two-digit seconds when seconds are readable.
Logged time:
6,50
